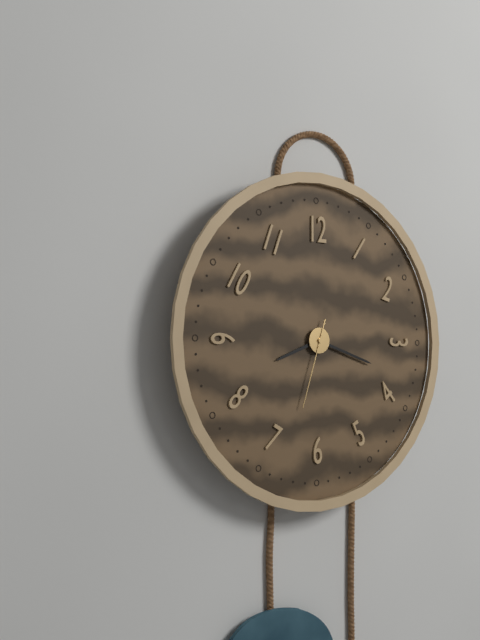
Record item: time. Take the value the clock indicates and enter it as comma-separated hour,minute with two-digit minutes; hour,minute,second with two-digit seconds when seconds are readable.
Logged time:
8,18,33
